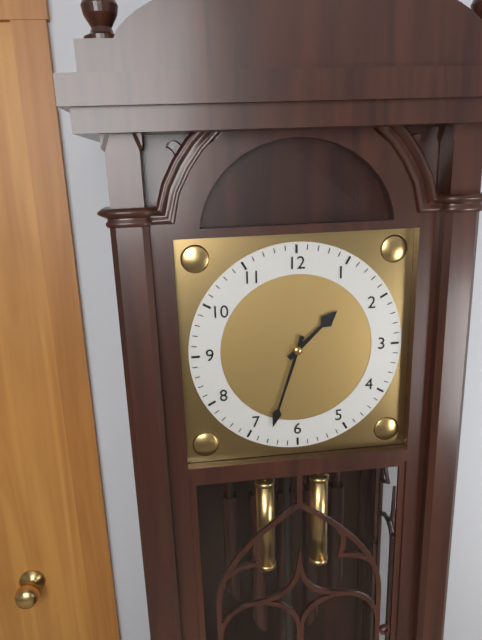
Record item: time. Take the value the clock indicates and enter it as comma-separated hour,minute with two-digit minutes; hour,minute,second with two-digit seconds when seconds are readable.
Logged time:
1,33
